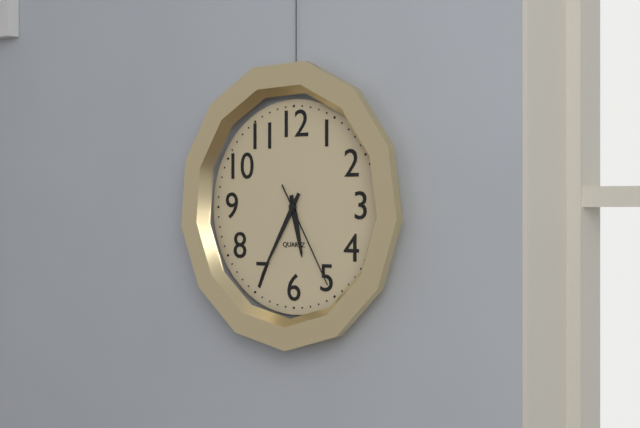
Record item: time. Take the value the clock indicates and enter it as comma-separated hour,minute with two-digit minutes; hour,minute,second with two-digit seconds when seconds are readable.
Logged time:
5,35,25
